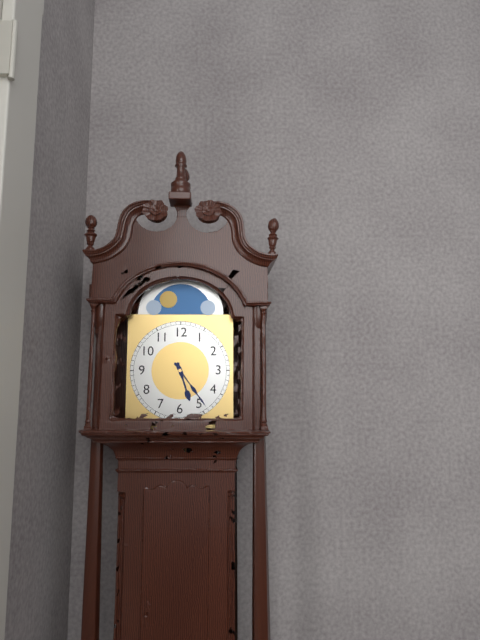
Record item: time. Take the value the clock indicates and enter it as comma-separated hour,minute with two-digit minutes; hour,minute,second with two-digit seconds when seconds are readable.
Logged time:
5,24
